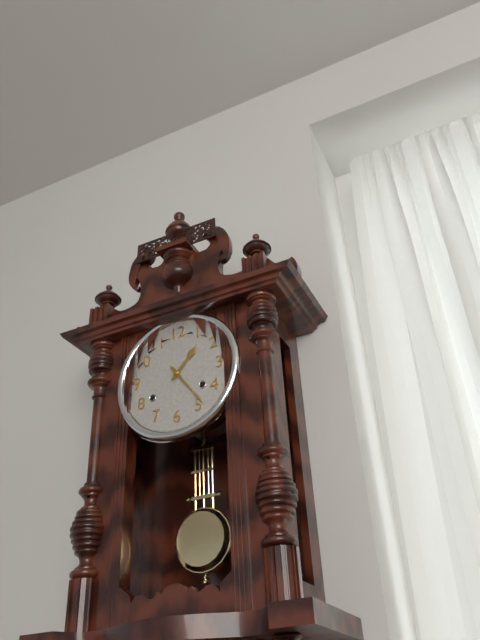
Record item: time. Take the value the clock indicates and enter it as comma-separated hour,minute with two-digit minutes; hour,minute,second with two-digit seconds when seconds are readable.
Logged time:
1,24
